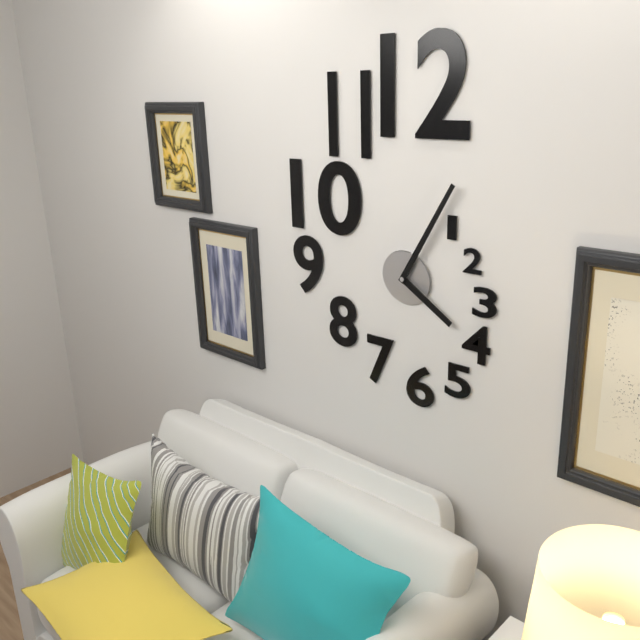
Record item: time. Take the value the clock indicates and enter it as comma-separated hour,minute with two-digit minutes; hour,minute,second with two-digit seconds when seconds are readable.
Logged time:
4,05
